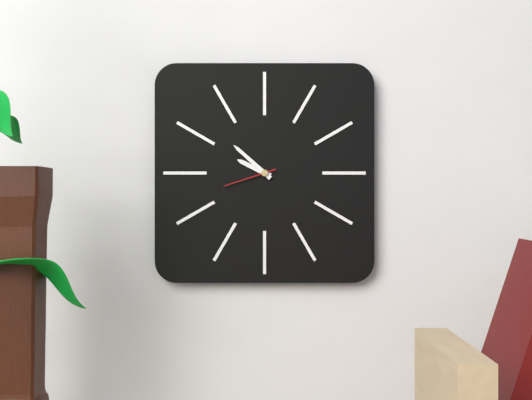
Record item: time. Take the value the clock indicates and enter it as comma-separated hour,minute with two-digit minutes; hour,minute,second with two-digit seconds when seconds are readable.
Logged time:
9,52,42
